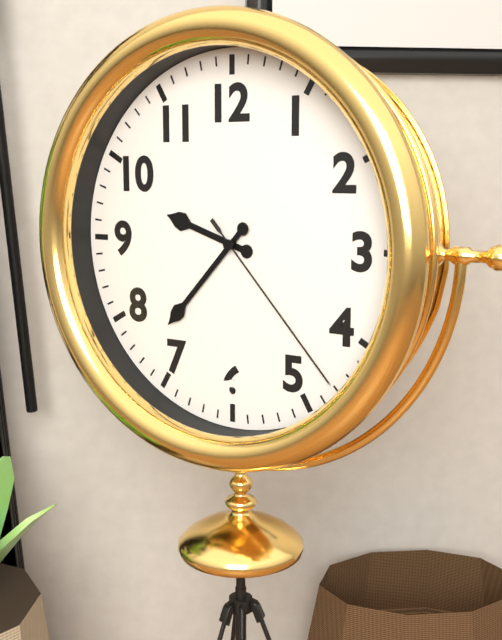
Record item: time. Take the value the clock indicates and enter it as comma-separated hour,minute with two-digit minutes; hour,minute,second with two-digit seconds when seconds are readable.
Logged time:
9,37,23
